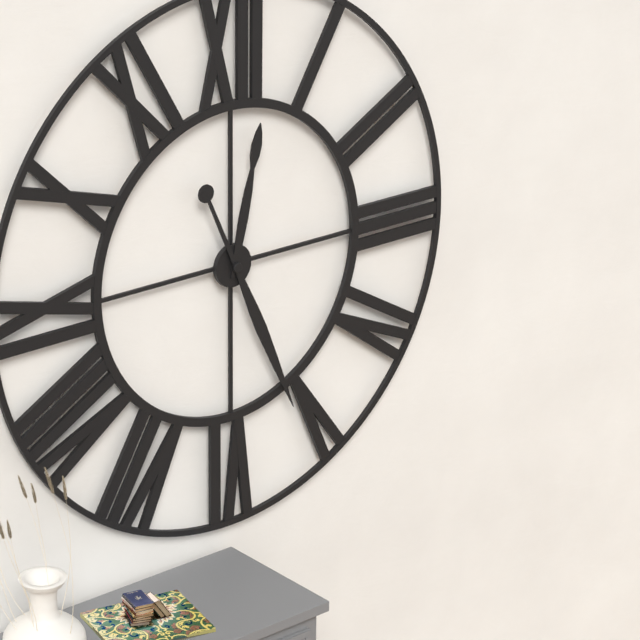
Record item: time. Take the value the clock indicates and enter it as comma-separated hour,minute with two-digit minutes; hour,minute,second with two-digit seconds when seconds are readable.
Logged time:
12,26
